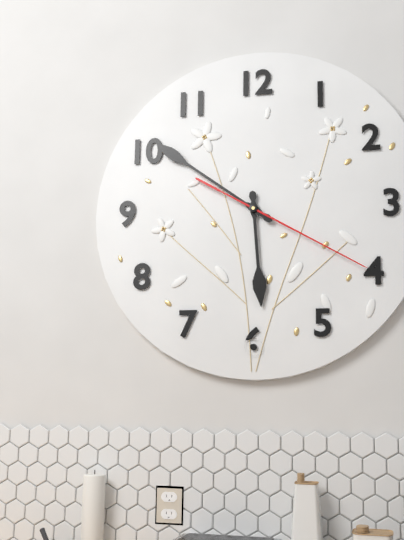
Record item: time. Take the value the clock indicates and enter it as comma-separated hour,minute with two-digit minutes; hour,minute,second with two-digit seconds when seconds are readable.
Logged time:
5,51,20
